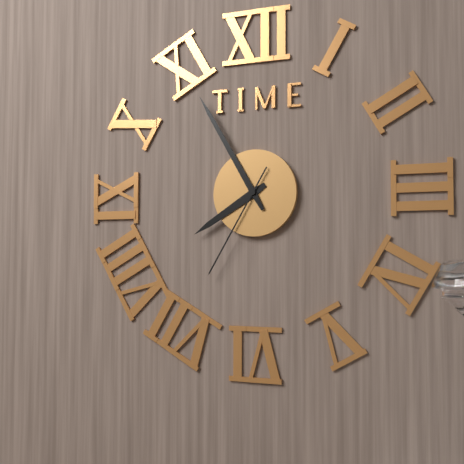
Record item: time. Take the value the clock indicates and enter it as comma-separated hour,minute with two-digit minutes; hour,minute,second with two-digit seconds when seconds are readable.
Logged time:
7,55,35
